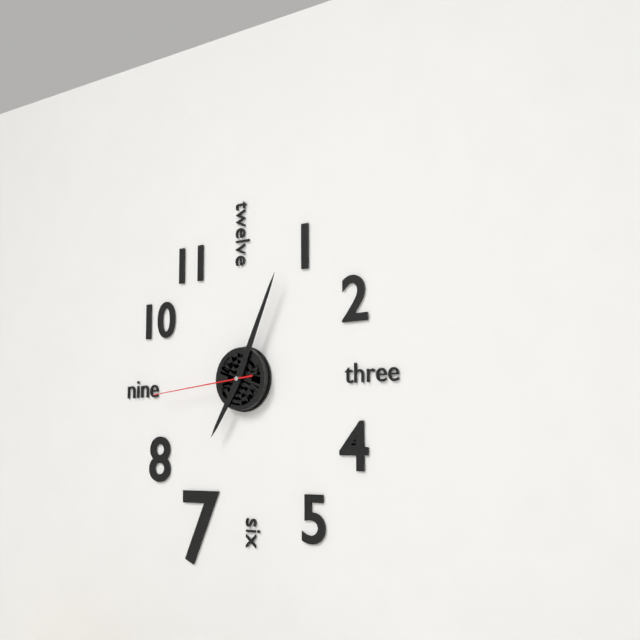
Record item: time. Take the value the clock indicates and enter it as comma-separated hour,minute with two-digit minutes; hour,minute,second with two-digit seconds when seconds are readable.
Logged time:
7,04,44
